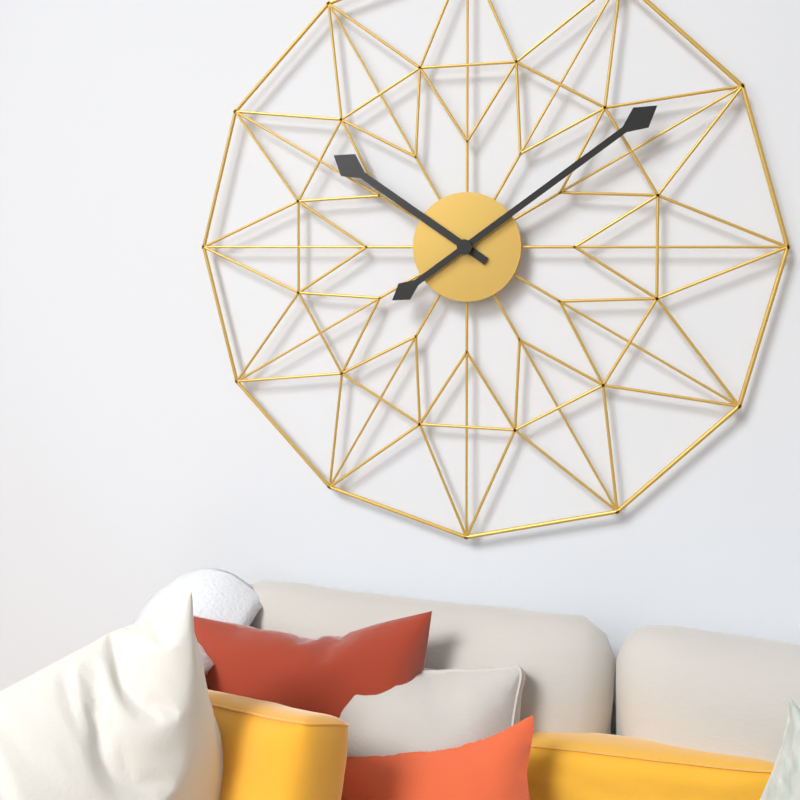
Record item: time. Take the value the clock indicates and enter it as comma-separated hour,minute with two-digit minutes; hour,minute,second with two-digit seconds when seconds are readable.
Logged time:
10,09
